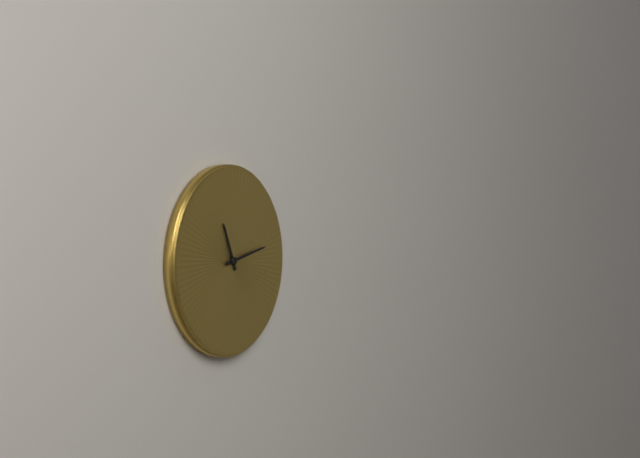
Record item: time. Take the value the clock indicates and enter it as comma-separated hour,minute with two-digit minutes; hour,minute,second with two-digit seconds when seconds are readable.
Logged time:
11,13
